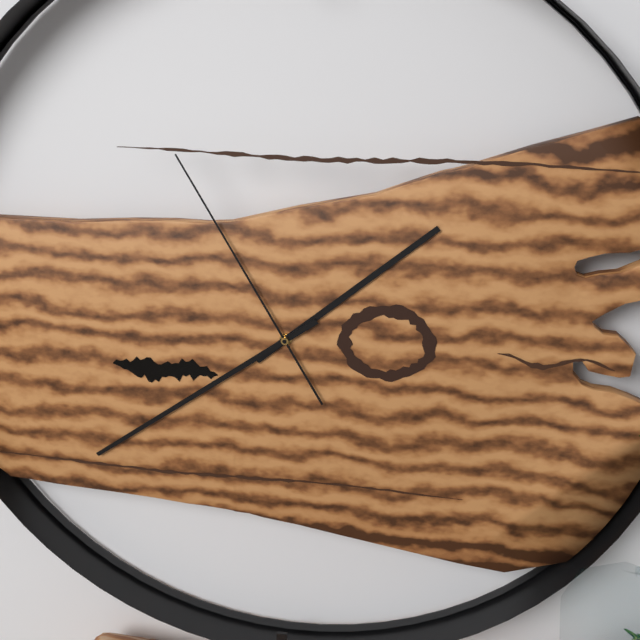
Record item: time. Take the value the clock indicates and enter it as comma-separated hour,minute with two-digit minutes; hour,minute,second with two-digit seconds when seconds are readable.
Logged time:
1,39,55
